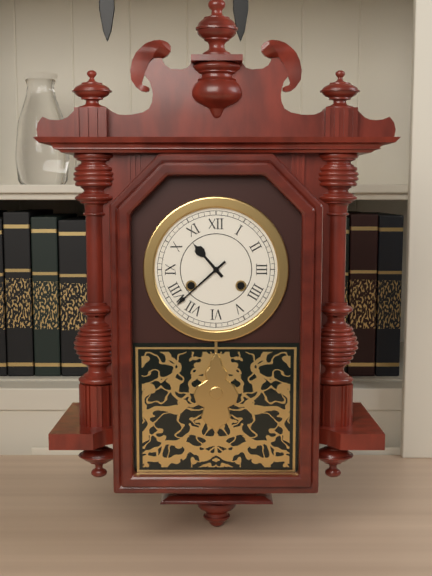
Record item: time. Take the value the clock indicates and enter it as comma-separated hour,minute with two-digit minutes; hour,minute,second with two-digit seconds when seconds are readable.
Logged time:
10,38
